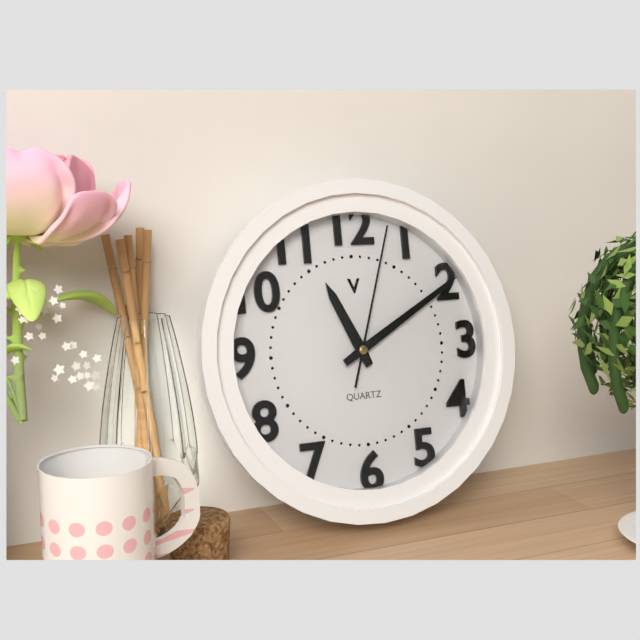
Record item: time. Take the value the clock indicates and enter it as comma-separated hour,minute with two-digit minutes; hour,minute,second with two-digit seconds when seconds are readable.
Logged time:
11,10,03
